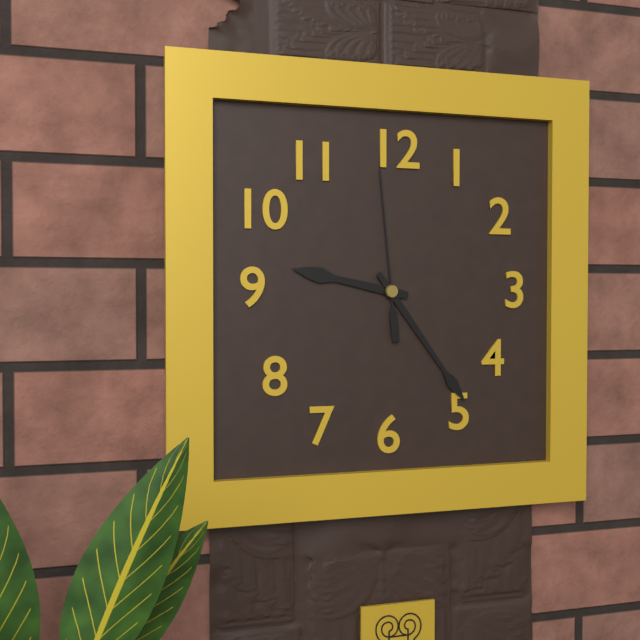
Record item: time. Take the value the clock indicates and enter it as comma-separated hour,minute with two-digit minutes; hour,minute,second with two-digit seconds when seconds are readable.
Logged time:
9,24,59
